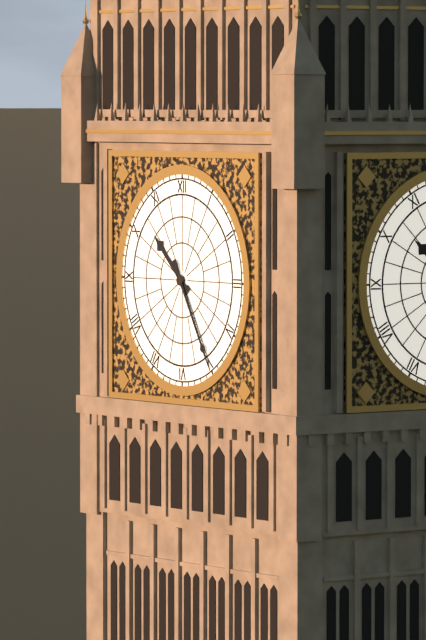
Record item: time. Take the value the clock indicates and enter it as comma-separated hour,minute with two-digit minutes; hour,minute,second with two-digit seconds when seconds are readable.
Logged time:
10,25
